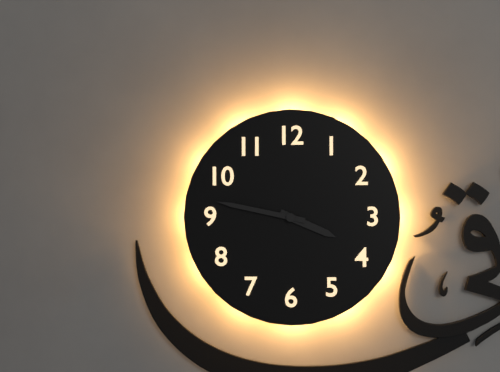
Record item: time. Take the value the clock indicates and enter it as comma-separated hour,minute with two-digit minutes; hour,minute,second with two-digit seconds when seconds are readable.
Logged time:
3,47
